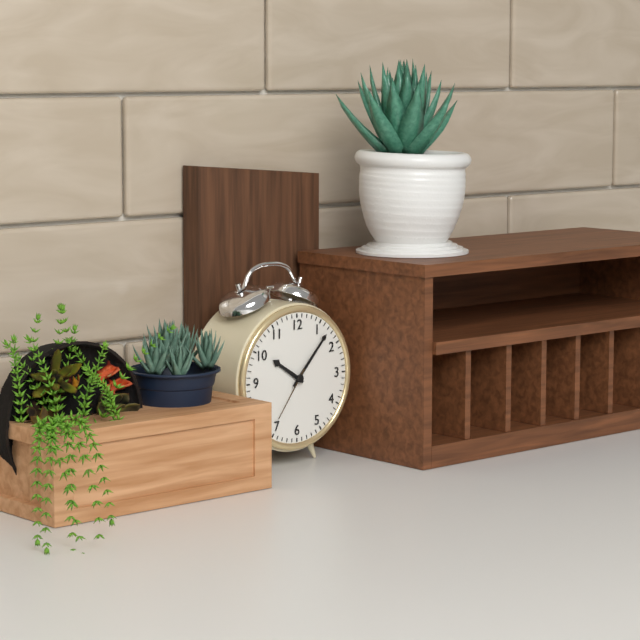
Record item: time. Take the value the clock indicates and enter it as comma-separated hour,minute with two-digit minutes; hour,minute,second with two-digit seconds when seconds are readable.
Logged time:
10,07,36
